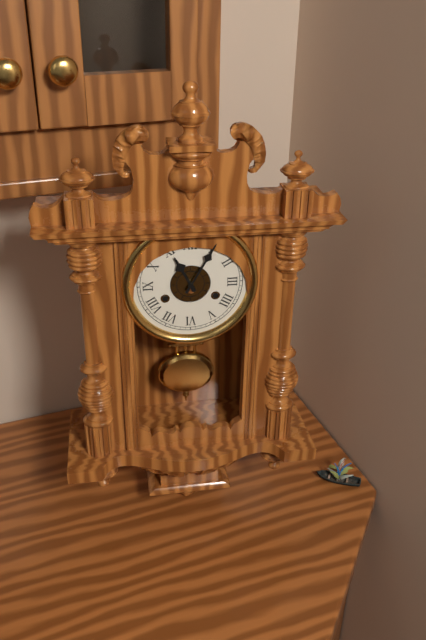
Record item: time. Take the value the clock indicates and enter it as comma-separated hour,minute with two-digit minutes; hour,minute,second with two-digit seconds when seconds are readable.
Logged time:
11,05
